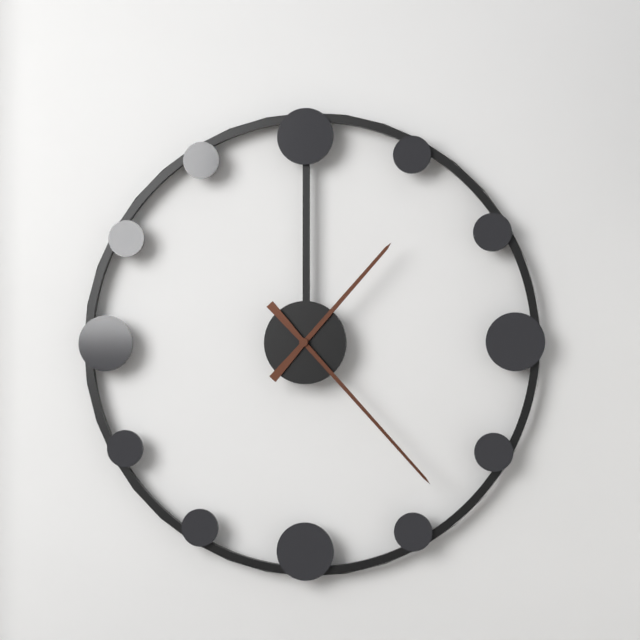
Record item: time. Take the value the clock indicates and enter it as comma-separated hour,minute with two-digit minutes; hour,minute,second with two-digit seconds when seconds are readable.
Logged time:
1,23
